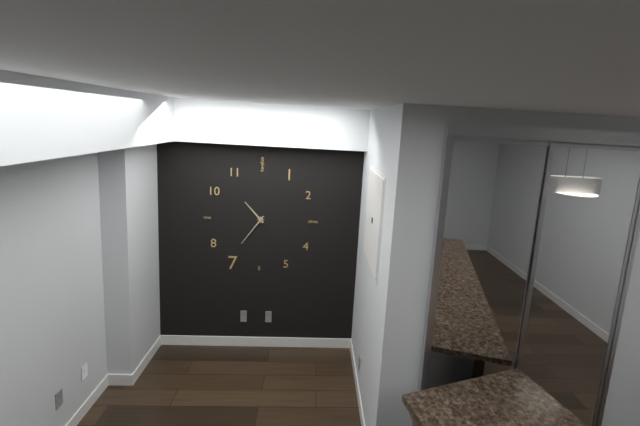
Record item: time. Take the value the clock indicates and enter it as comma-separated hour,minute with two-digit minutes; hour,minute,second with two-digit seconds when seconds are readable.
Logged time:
10,36
